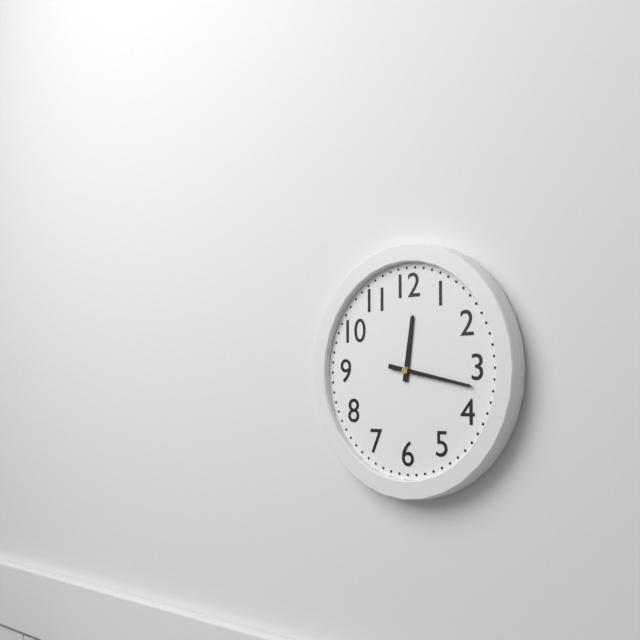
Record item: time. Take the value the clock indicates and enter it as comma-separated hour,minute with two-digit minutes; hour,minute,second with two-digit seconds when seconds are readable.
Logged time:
12,17
